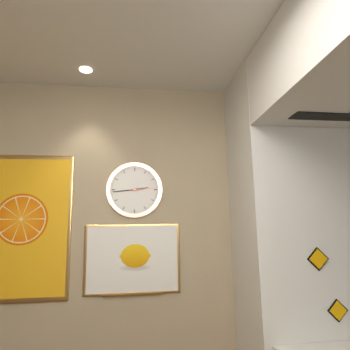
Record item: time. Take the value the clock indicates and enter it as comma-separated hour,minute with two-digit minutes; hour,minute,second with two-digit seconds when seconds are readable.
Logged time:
2,44
